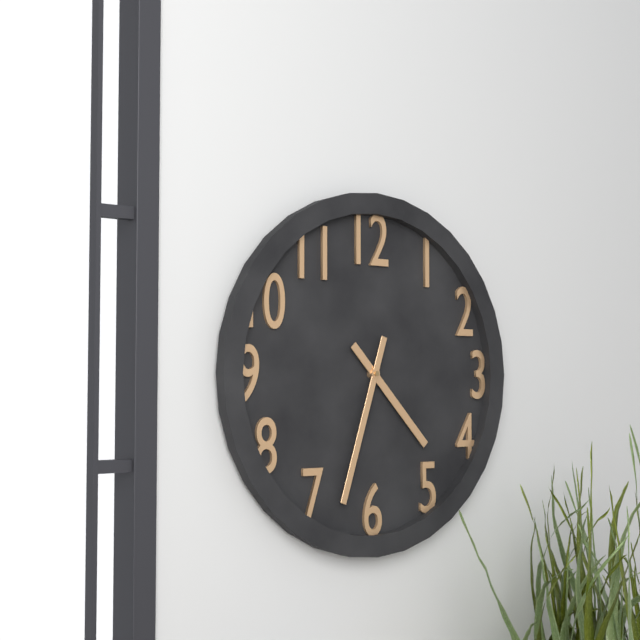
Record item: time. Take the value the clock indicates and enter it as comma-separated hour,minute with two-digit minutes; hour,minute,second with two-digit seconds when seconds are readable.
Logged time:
4,33
